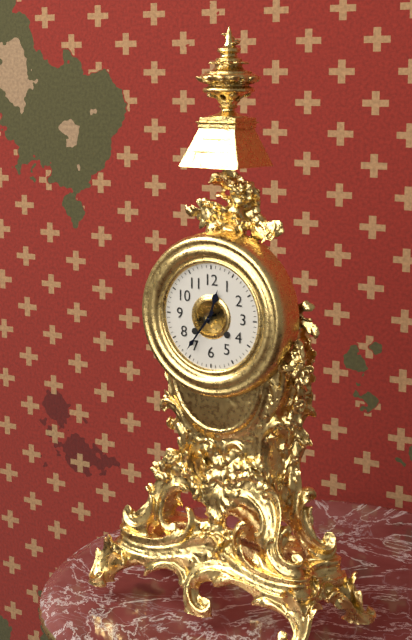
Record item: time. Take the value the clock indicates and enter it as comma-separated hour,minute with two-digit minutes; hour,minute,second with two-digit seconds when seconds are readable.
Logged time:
12,36
